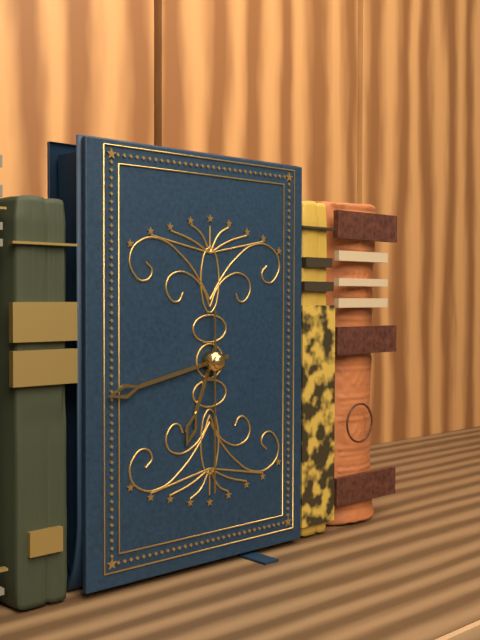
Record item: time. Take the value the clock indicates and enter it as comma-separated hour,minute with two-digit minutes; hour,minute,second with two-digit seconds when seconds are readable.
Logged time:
6,43,30
